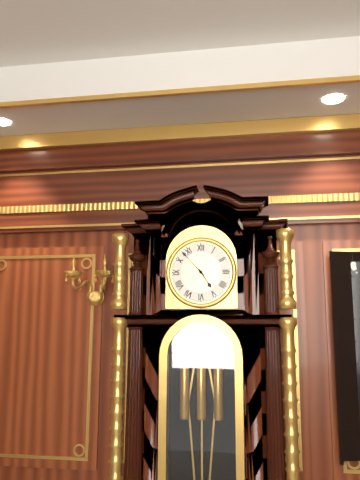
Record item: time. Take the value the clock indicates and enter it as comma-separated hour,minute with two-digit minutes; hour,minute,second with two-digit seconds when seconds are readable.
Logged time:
4,53
